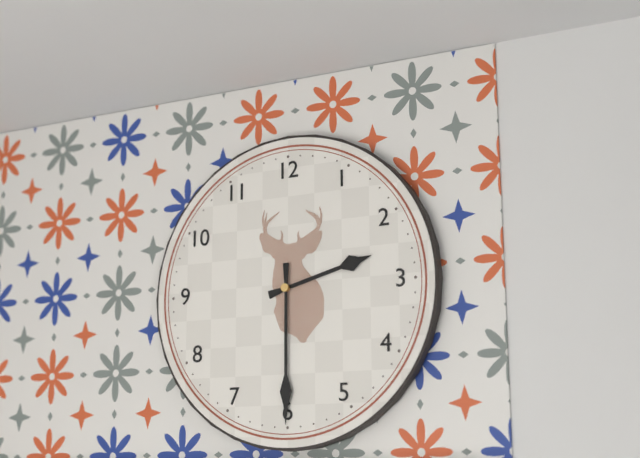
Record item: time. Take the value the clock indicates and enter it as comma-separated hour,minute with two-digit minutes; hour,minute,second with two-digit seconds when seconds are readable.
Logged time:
2,30
